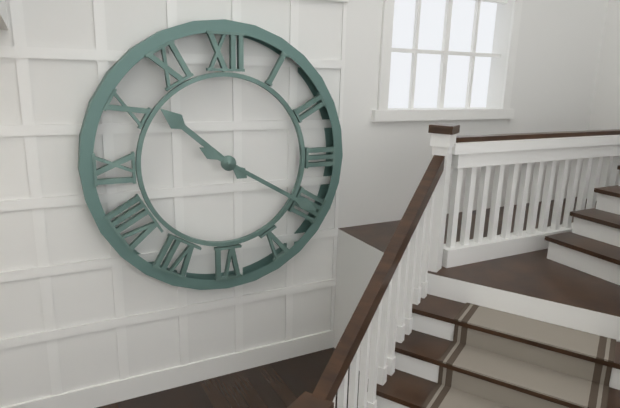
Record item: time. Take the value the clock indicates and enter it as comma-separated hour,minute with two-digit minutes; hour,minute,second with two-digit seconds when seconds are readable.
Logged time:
10,20
